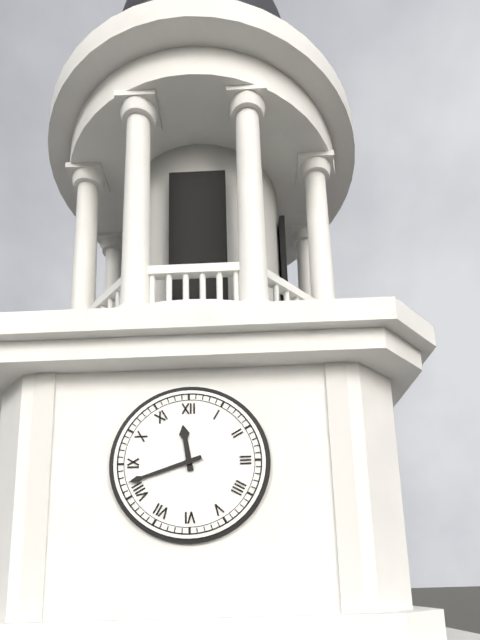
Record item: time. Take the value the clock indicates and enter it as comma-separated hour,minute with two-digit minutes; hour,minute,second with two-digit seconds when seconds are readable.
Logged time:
11,42
